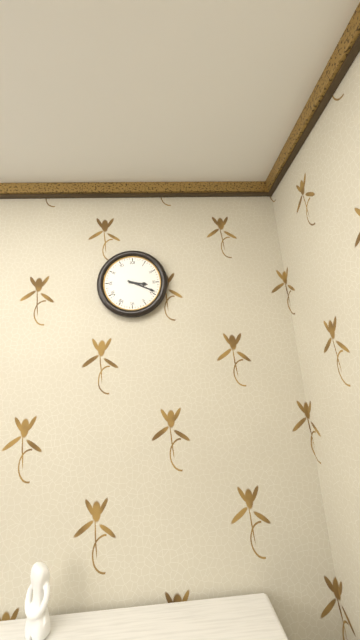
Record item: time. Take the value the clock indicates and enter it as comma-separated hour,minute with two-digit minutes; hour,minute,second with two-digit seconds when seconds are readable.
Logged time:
3,19
